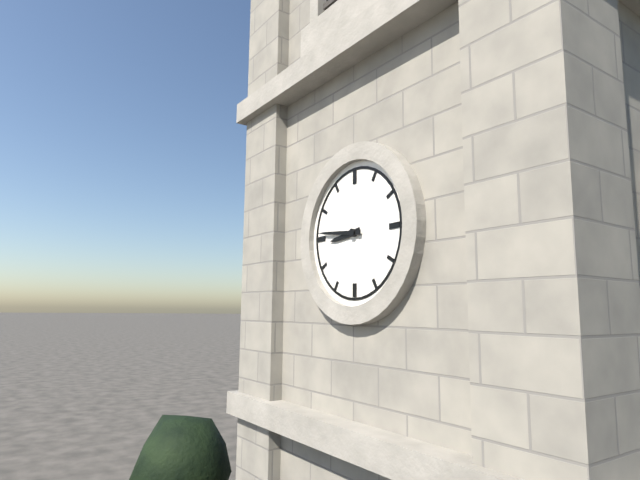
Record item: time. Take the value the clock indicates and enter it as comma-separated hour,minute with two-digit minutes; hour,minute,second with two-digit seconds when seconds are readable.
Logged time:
8,46
